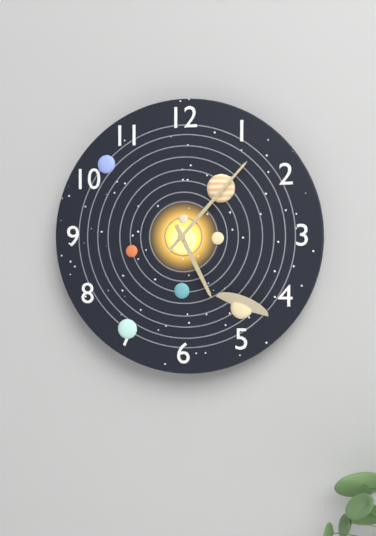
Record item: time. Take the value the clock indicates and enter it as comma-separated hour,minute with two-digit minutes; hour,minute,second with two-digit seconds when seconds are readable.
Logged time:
5,07
